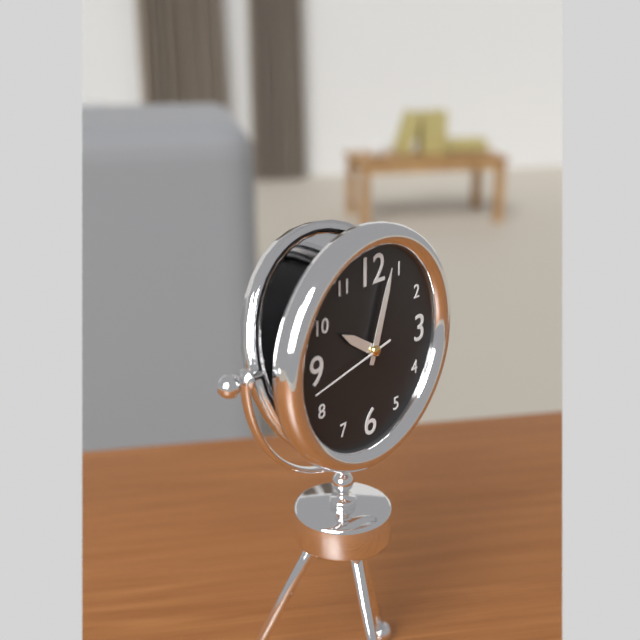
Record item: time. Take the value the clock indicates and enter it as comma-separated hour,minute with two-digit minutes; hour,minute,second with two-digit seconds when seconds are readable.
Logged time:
10,03,43
